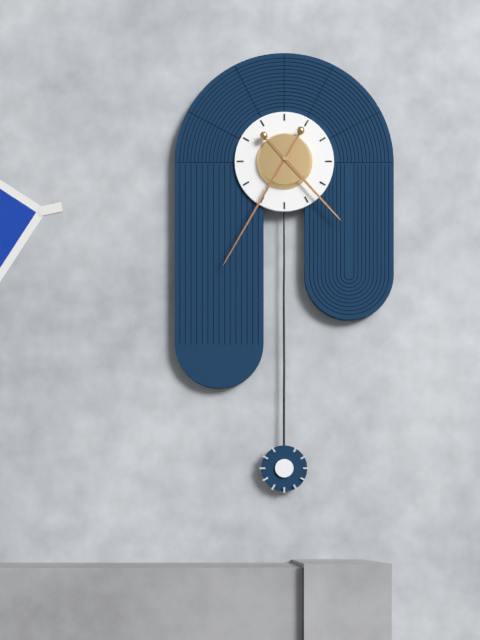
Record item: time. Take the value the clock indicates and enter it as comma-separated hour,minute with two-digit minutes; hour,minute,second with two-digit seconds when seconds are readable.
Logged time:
4,35
